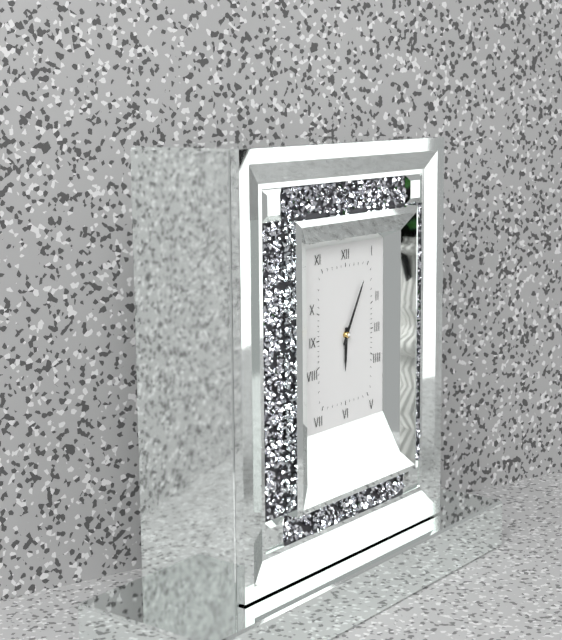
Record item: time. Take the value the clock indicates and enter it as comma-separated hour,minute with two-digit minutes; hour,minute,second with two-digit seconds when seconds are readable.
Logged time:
6,05
